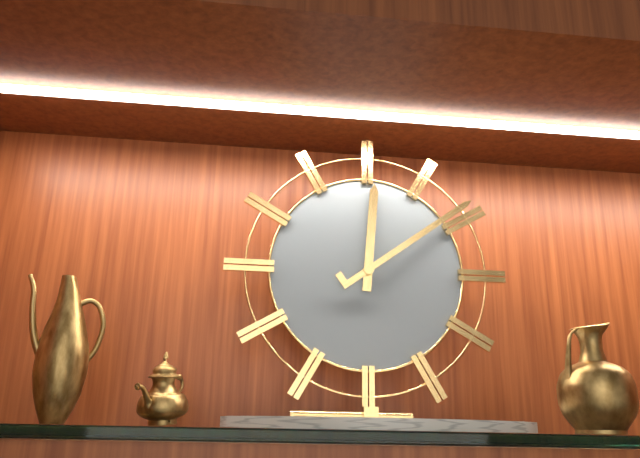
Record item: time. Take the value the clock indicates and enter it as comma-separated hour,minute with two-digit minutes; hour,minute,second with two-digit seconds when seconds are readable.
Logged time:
12,09
